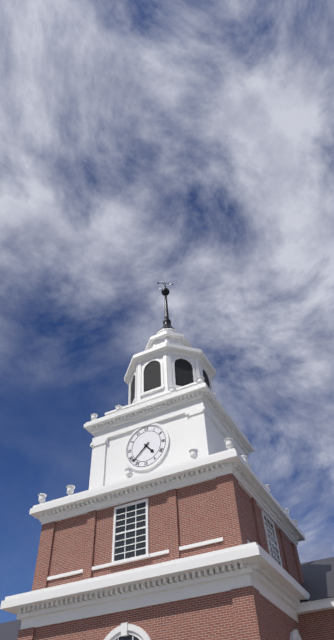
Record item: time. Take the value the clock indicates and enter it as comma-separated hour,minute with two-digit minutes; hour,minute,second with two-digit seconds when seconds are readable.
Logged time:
4,38
